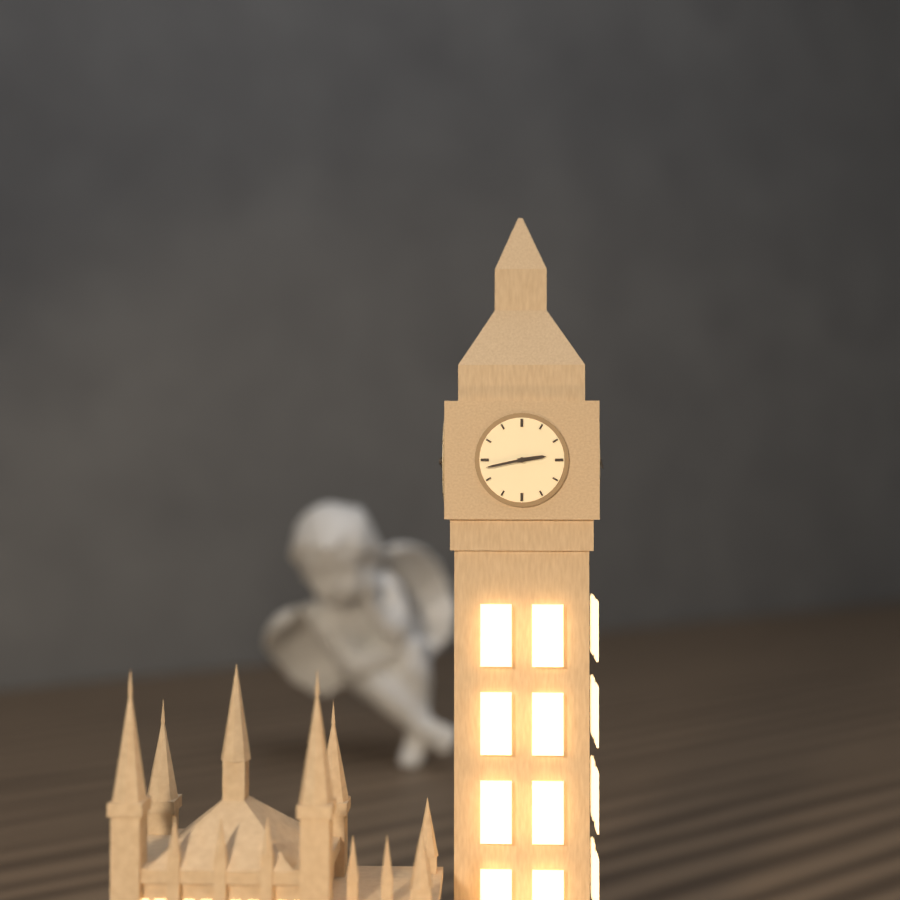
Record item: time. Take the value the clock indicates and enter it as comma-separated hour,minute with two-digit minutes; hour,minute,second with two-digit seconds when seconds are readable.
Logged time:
2,43
